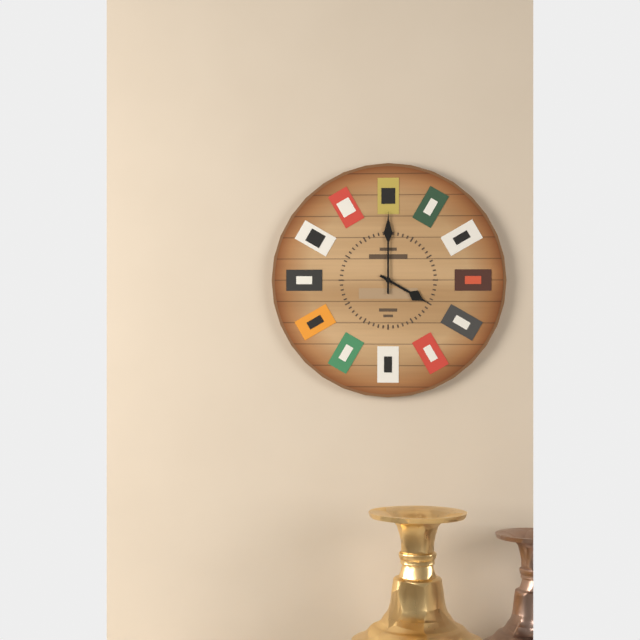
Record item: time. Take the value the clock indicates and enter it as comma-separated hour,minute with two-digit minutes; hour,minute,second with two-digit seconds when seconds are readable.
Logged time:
4,00
